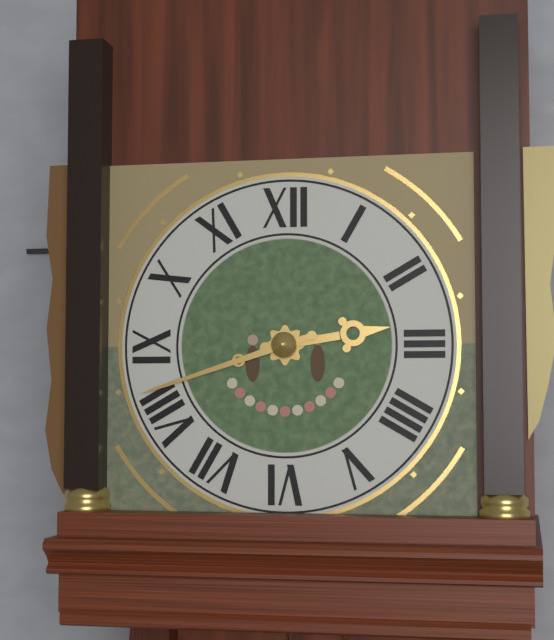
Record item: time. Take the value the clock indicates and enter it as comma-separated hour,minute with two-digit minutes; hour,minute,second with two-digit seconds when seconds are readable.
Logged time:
2,42
